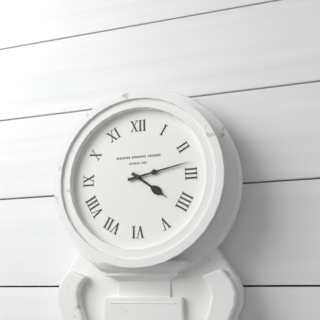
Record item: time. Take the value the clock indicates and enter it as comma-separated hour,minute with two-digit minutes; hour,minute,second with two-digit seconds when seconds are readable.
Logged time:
4,13
